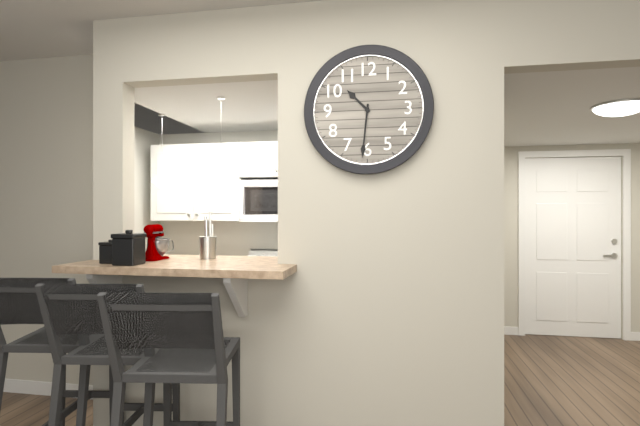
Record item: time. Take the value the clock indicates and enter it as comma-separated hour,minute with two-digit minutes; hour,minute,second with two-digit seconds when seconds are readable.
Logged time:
10,31
